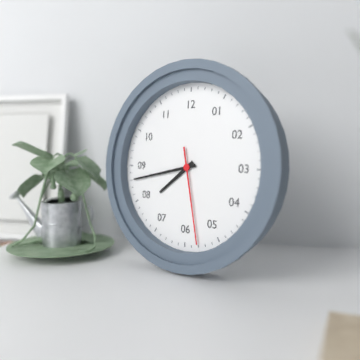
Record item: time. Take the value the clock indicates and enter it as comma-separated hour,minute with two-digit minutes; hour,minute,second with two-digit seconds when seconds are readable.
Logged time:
7,43,28
